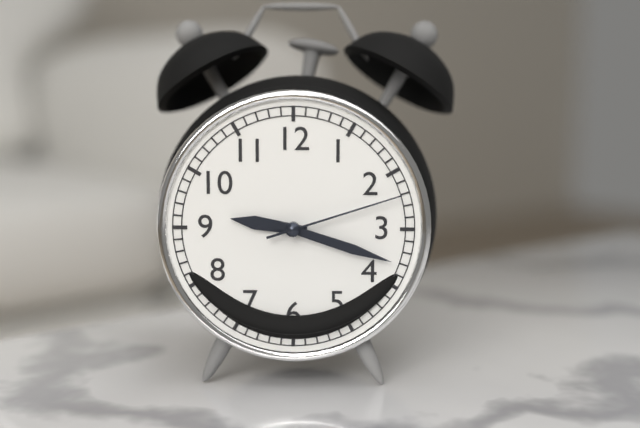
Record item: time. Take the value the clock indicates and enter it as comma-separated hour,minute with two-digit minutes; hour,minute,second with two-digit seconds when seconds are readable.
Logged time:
9,18,12
